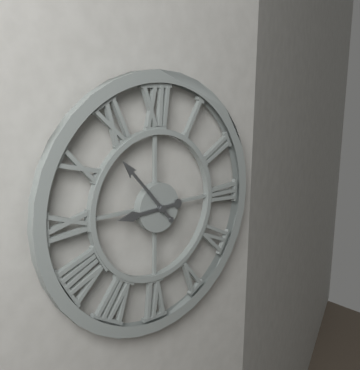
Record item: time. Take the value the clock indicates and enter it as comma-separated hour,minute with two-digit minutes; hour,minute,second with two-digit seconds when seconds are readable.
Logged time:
8,53
